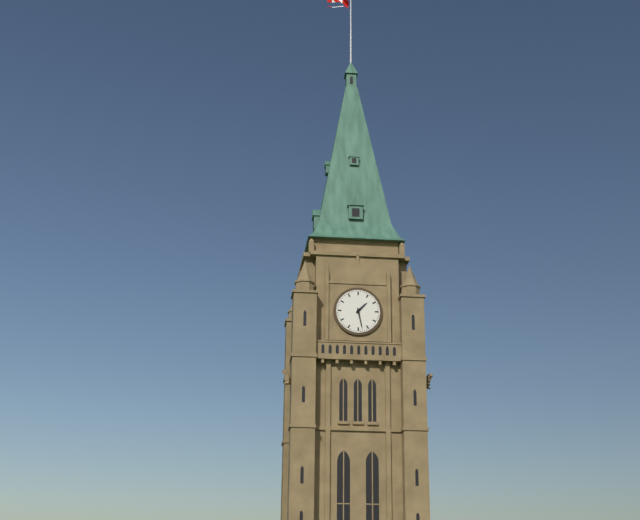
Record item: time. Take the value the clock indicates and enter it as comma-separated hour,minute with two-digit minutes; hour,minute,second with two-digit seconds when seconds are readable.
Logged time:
1,28
